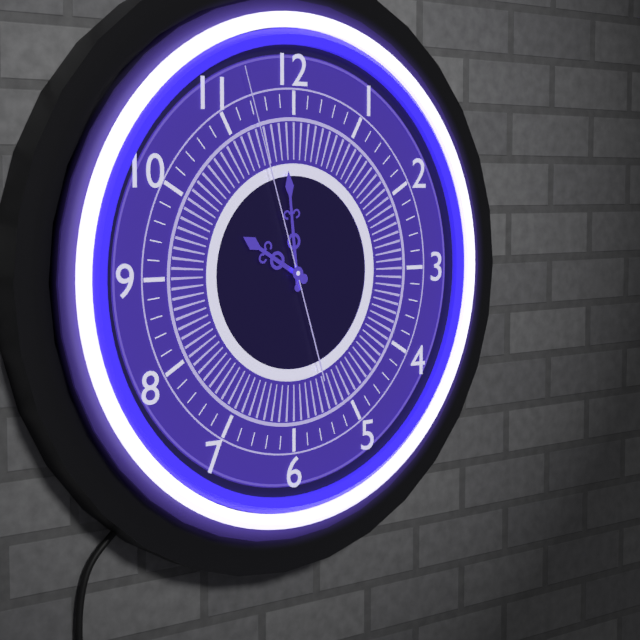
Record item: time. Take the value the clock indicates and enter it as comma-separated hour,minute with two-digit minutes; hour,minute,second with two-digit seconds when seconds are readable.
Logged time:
9,59,57
